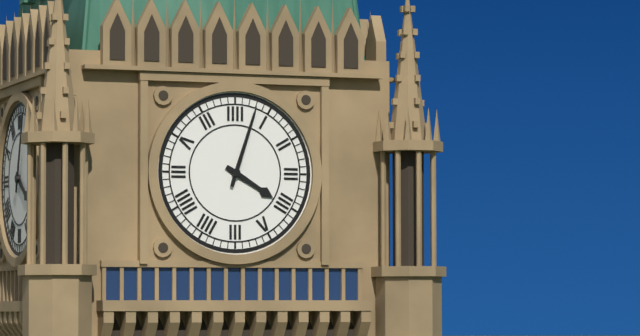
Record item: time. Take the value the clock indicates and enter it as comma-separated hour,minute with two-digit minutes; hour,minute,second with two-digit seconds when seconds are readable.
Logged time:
4,03
